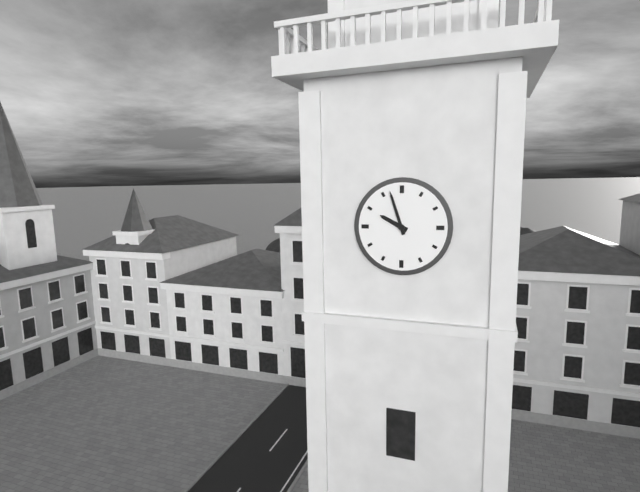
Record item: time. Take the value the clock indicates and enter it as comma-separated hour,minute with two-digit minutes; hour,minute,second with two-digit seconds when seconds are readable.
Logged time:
9,57
